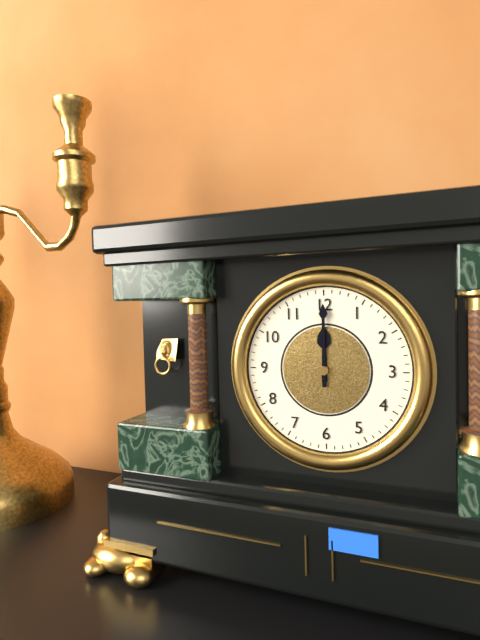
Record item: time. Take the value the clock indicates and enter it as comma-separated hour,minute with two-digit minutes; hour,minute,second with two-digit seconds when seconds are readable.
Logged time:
12,00
